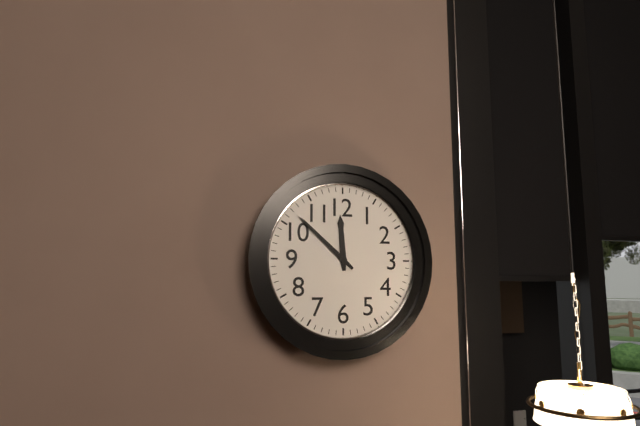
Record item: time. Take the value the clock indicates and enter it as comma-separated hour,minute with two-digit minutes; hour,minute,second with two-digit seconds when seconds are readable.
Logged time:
11,52
